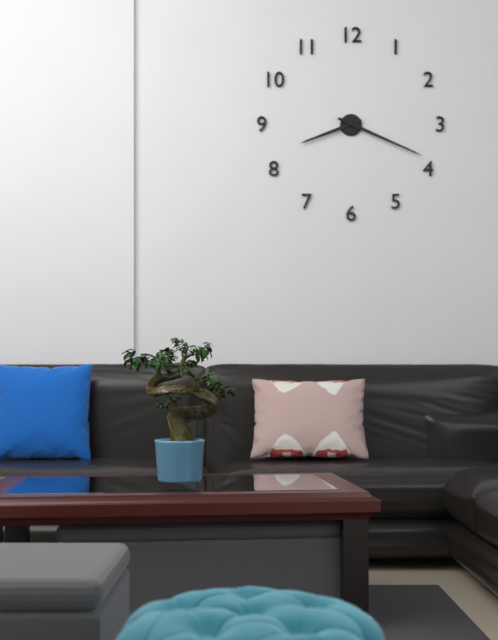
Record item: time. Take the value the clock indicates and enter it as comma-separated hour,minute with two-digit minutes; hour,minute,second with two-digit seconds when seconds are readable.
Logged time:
8,19
